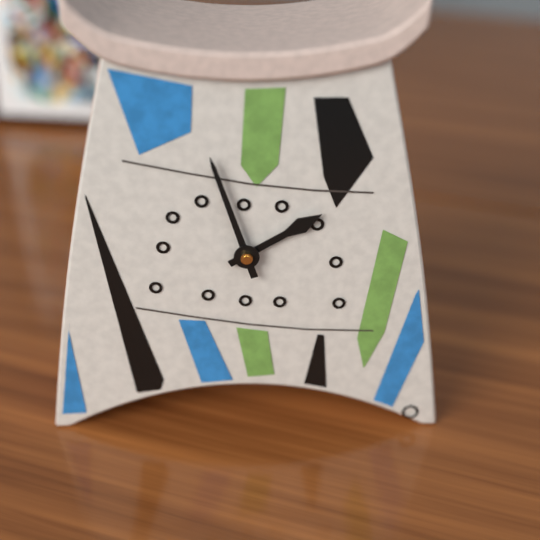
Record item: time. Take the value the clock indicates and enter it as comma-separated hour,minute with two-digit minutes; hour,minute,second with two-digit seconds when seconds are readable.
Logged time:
1,57
